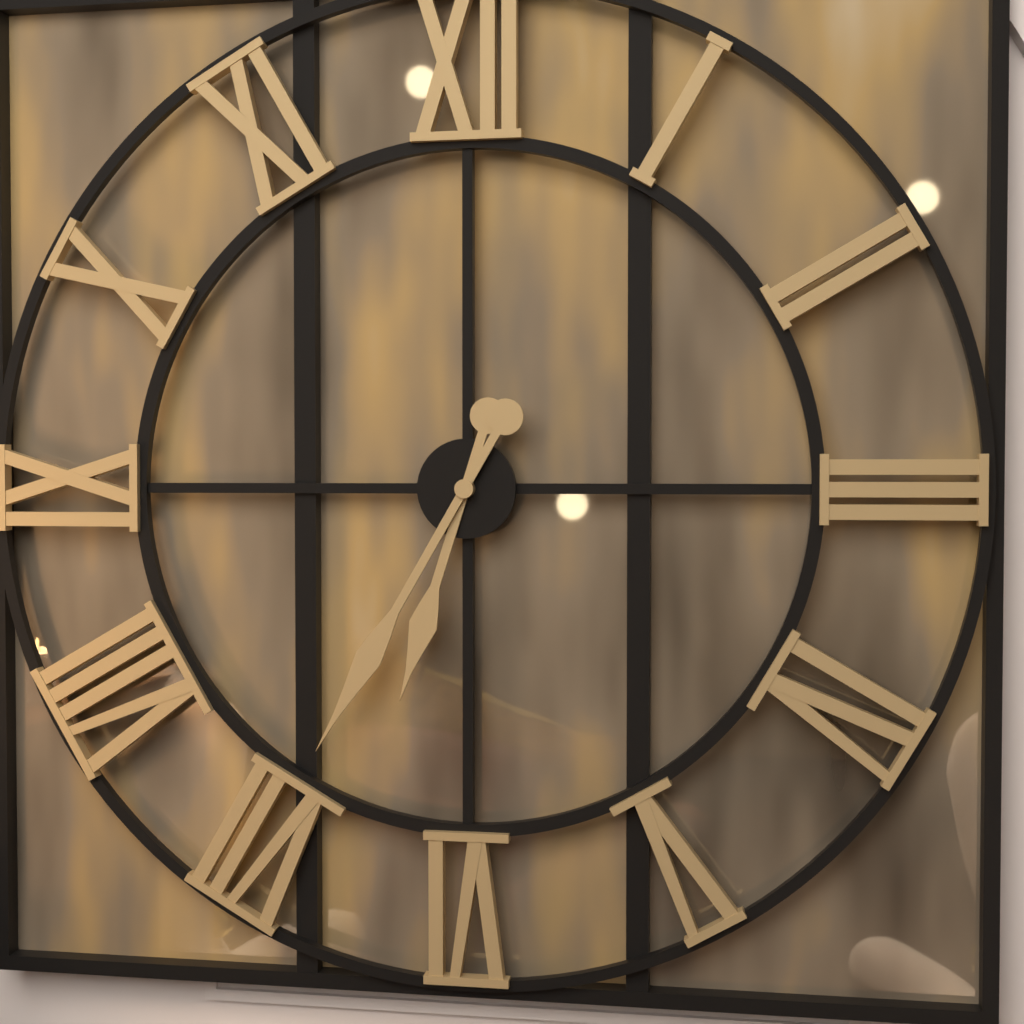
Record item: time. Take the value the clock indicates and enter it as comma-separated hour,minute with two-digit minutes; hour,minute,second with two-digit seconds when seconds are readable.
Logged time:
6,35
